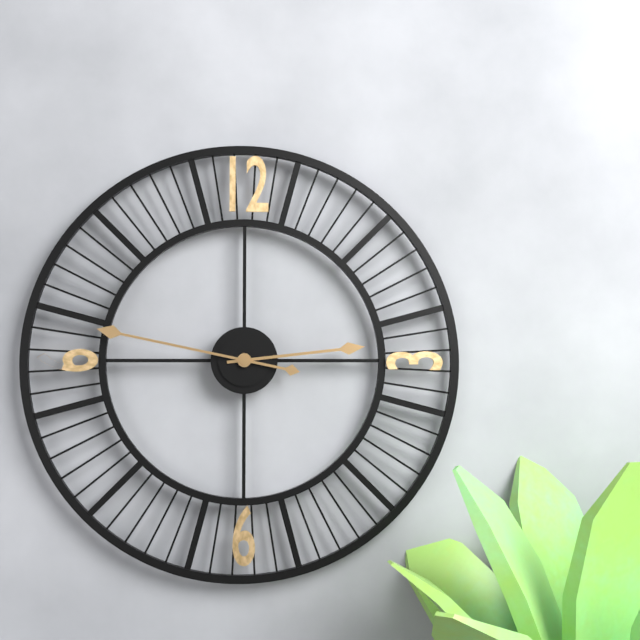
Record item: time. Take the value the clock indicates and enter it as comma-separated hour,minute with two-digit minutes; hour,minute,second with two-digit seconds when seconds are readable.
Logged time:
2,47
